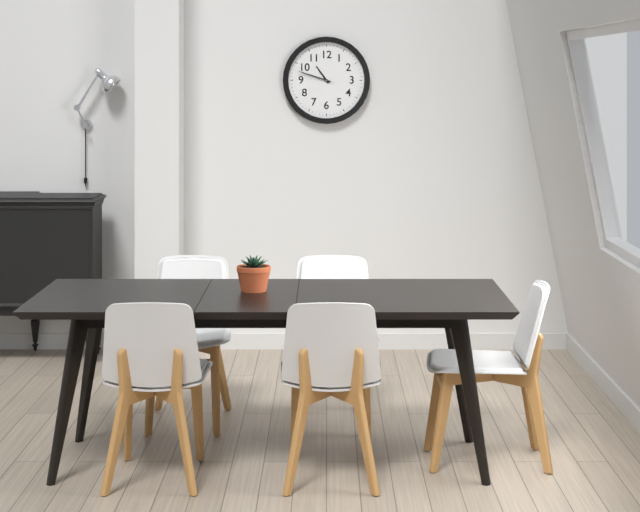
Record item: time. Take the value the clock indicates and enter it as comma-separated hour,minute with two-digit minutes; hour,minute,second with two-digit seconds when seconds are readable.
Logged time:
10,48
